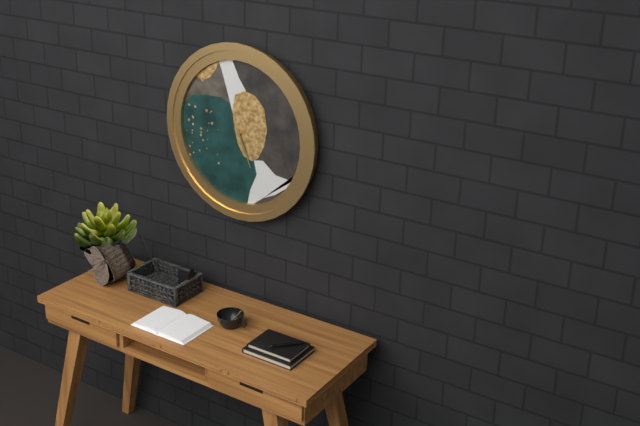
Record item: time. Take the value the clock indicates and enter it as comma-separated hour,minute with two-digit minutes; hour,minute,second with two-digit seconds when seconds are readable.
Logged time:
5,26
